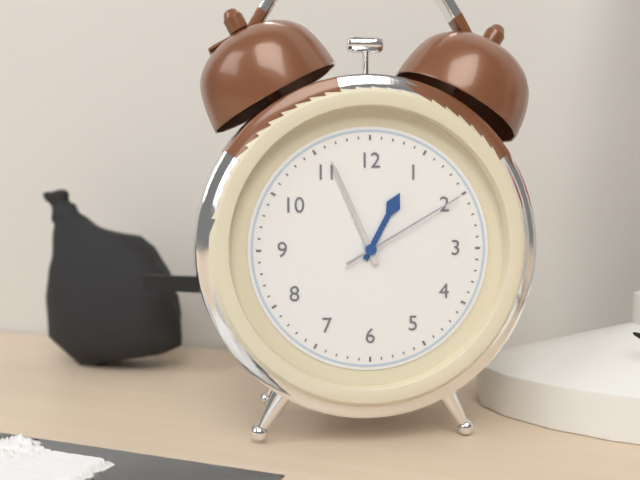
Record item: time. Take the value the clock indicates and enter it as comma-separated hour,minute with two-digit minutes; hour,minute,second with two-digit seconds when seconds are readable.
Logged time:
12,56,10
